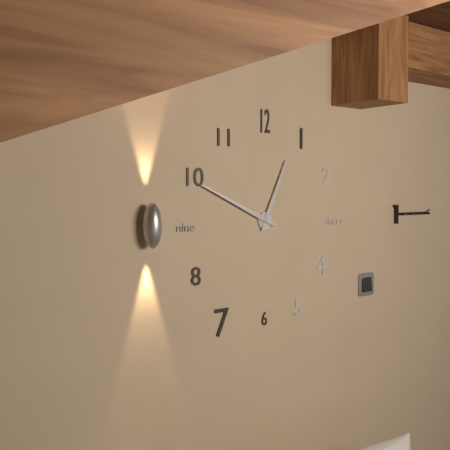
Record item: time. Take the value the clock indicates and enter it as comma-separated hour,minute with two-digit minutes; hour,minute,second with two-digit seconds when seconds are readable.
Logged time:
12,49
